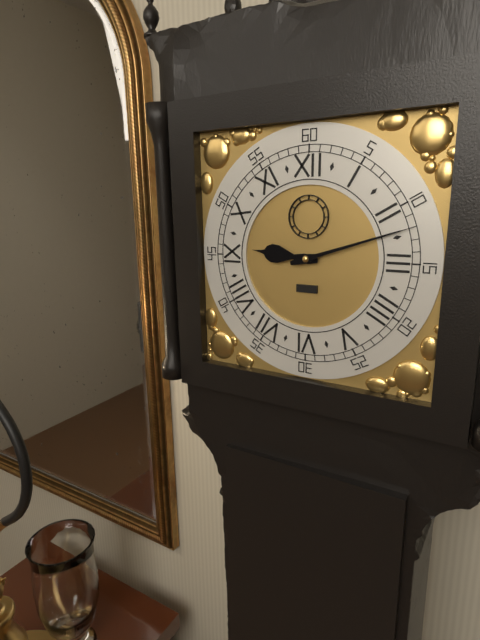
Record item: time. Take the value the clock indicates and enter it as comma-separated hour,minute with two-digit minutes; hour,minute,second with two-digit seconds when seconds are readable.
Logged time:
9,12
